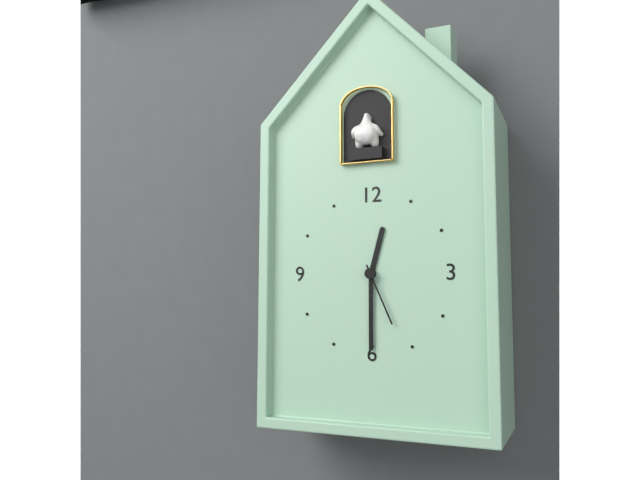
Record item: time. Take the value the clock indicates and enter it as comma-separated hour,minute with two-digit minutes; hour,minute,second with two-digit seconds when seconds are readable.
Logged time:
12,30,26
